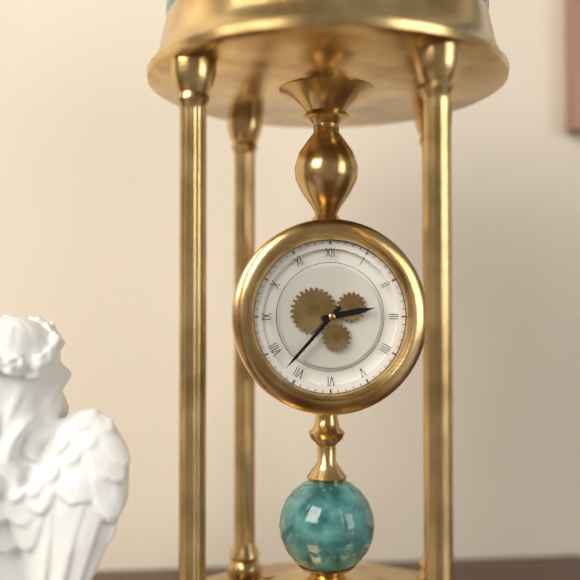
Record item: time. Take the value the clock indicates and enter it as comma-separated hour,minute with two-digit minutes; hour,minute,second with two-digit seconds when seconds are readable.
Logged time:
2,37
